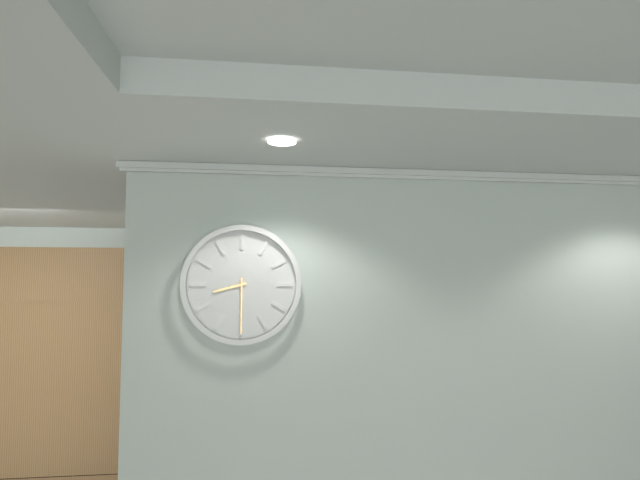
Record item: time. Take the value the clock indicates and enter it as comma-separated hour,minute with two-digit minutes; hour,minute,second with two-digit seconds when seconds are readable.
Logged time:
8,30
